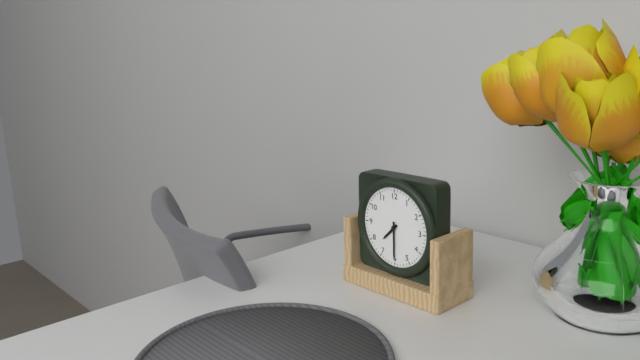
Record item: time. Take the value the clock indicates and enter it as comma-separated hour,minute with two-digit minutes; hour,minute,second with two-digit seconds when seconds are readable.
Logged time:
7,30
